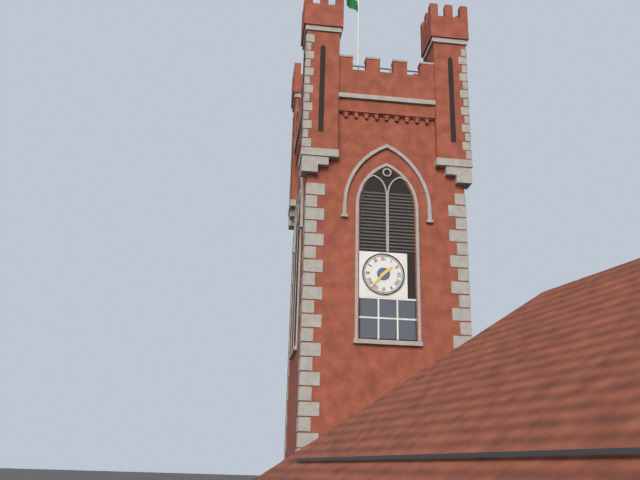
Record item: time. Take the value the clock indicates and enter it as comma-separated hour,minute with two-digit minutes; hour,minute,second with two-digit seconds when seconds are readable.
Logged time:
1,37
